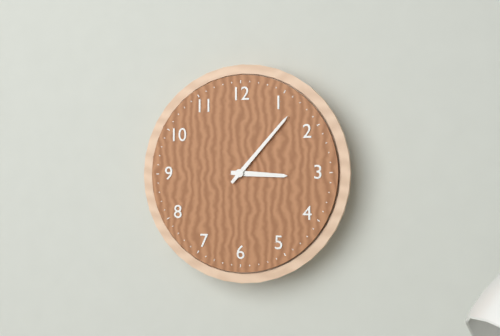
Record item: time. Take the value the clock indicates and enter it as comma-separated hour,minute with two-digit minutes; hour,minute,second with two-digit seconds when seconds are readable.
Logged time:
3,07
